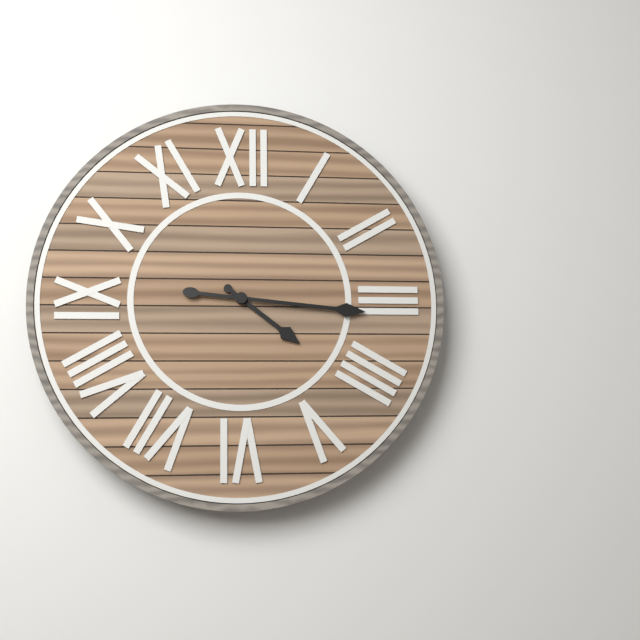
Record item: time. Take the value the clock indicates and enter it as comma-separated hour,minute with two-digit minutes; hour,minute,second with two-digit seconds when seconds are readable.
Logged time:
4,16
